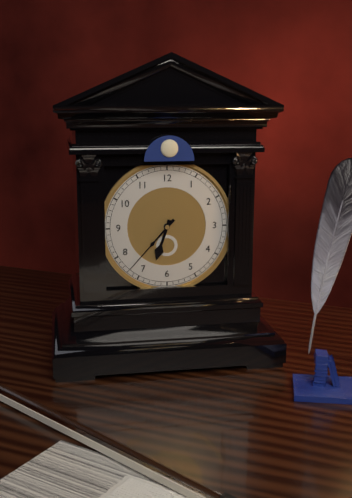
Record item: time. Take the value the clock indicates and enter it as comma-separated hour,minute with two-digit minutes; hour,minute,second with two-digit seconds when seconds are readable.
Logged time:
6,37
